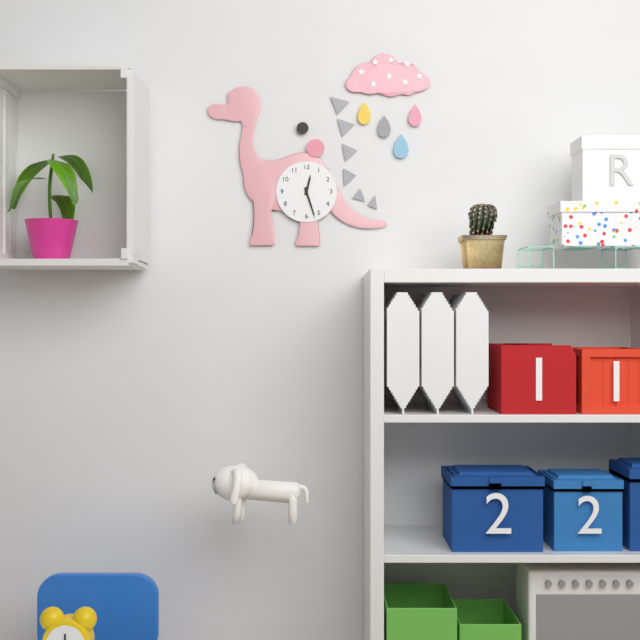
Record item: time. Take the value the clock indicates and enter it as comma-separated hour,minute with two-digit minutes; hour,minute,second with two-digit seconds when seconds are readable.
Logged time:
12,27
